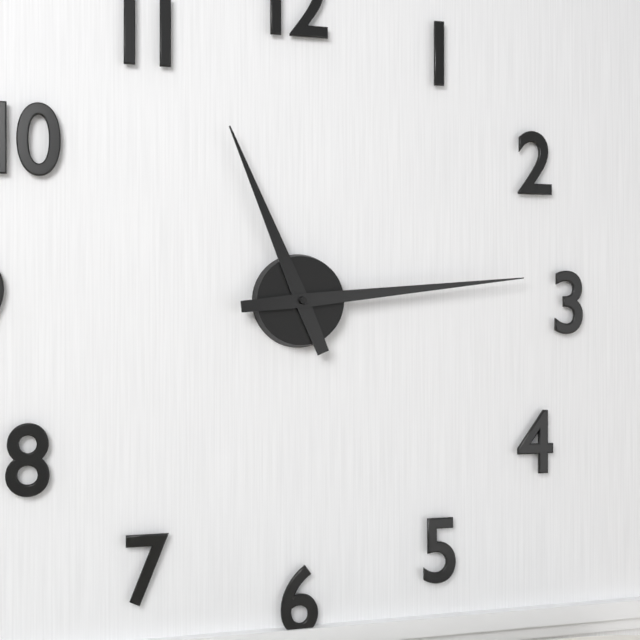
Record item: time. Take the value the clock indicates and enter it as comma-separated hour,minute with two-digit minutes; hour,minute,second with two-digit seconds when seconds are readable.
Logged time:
11,14
